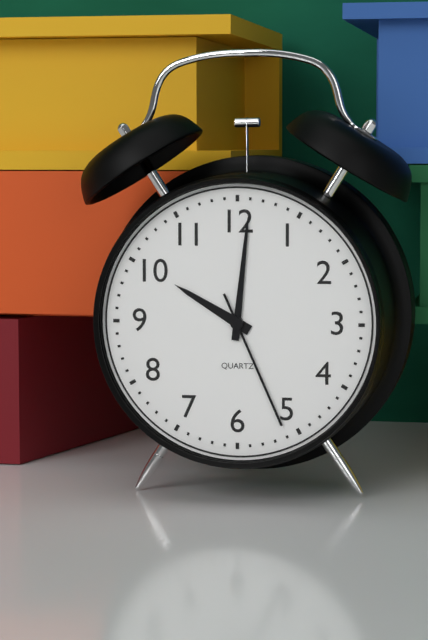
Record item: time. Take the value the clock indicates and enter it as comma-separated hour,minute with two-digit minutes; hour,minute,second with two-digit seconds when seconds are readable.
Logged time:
10,01,26
